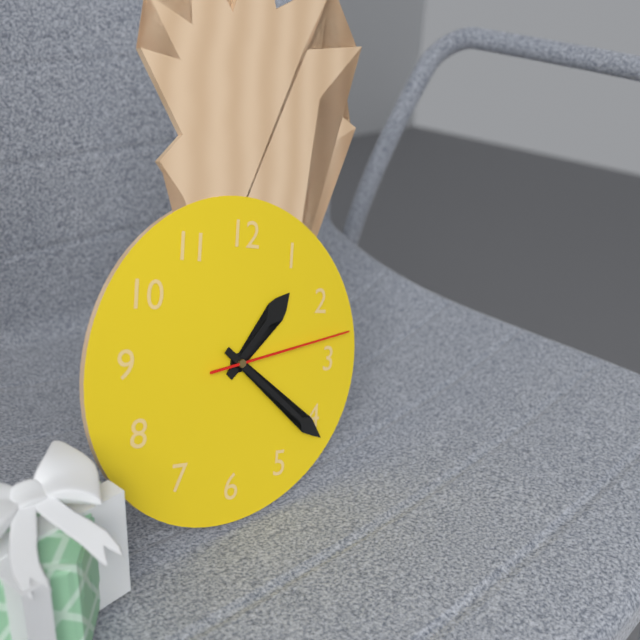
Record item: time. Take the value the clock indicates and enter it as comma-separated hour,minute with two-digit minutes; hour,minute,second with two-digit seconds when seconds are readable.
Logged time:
1,21,13
